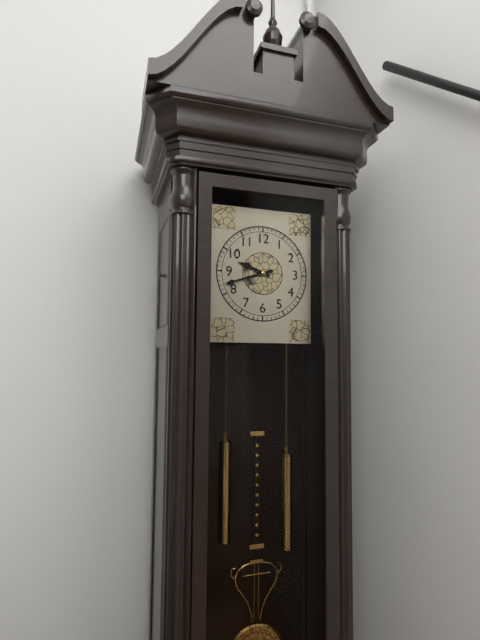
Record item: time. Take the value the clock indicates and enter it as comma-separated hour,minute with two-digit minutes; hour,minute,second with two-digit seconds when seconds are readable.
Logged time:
9,42
